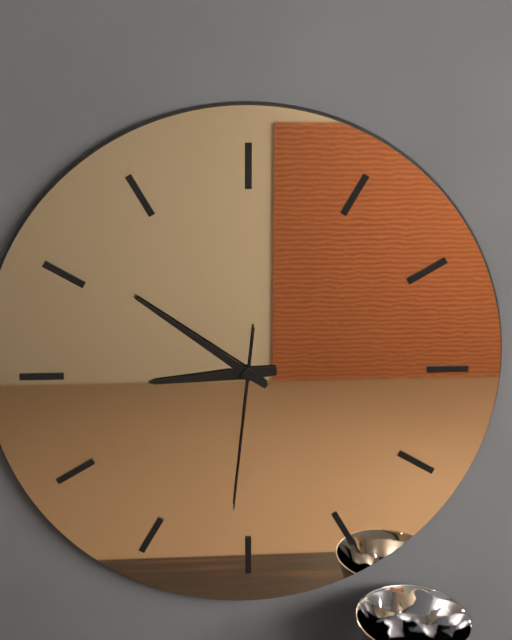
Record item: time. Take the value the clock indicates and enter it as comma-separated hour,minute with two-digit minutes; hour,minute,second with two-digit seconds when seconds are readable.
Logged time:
8,51,31
